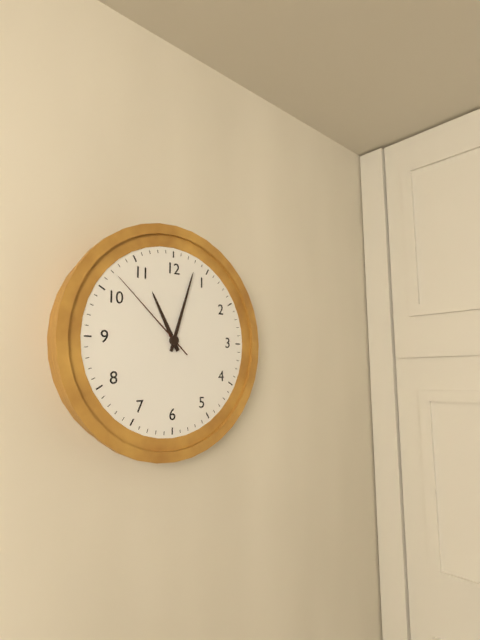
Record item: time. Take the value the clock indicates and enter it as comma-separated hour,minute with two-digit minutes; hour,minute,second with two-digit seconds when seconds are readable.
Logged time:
11,03,52
